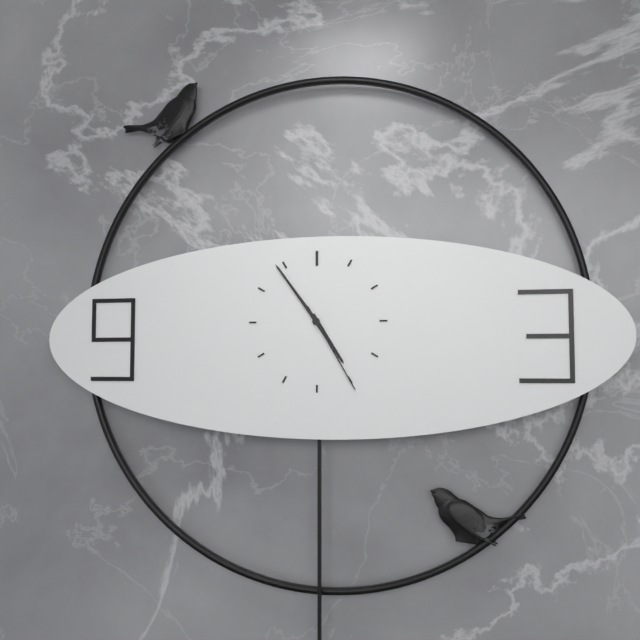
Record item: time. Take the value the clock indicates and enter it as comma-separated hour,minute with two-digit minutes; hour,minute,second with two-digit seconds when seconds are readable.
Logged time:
4,54,25
